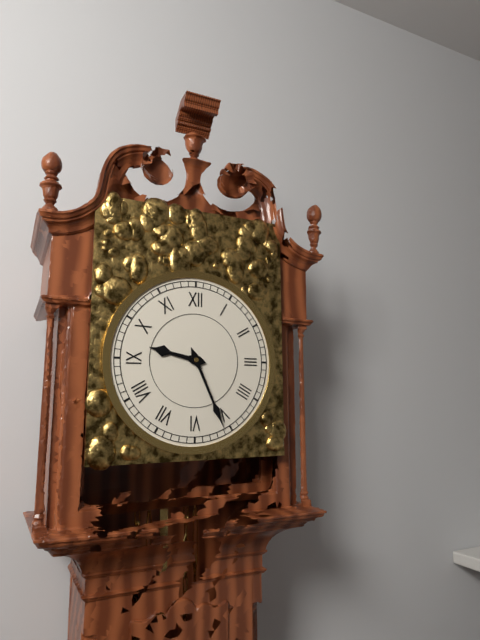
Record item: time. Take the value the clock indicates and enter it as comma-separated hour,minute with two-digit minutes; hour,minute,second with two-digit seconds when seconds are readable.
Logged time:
9,26
